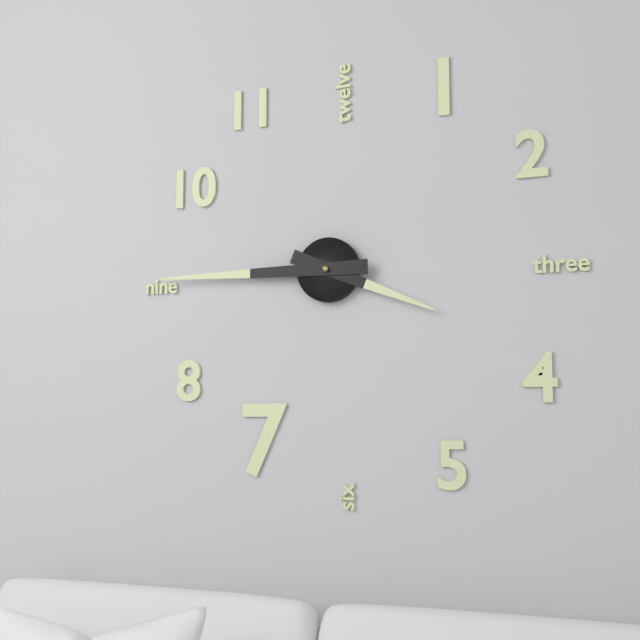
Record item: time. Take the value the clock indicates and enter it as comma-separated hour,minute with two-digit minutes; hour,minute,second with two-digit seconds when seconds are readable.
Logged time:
3,45
